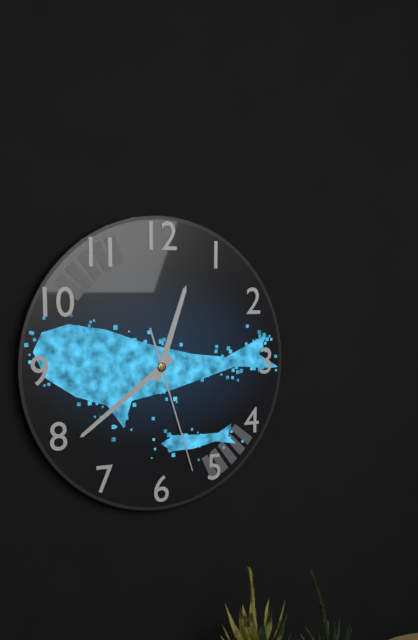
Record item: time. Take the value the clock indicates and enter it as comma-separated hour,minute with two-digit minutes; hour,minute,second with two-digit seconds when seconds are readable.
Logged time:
12,39,27
